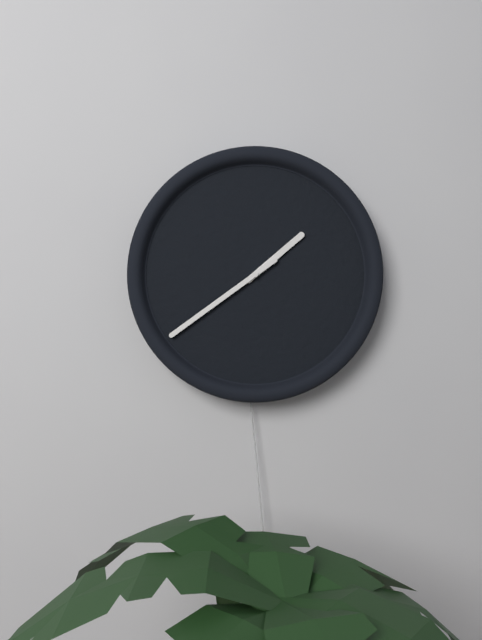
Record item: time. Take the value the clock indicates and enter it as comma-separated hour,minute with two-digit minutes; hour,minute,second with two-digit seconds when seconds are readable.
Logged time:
1,39
